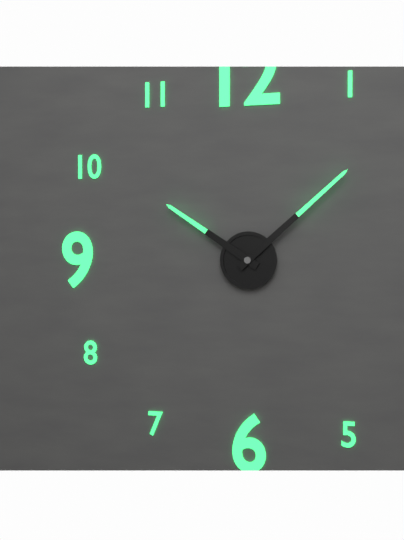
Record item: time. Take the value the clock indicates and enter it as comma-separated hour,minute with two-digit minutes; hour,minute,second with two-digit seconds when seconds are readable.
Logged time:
10,08
